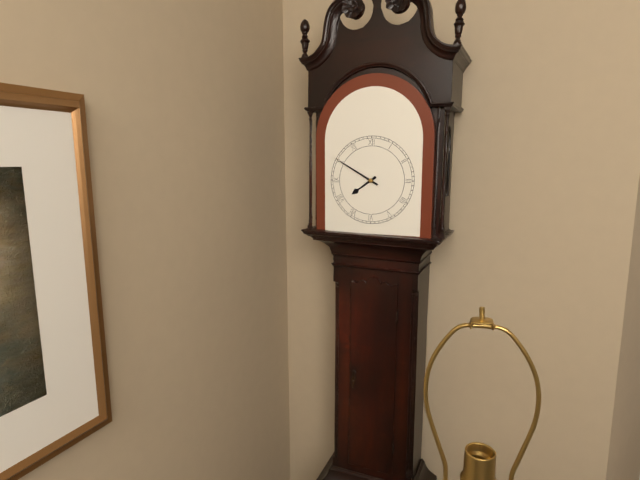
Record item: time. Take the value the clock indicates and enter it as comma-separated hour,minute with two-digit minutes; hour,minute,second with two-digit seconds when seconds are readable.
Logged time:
7,50
